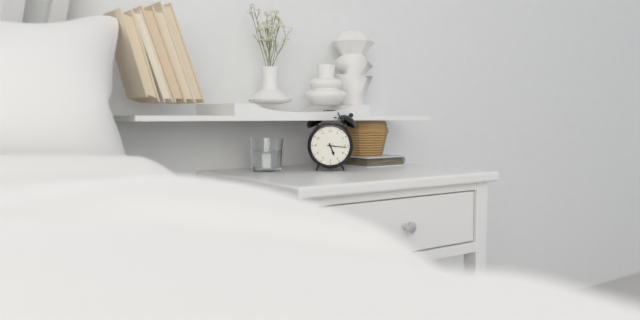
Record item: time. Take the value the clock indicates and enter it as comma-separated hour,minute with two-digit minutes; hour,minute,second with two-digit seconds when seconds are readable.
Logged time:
5,16
